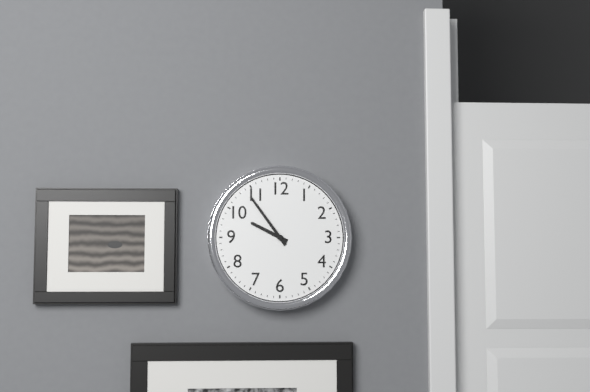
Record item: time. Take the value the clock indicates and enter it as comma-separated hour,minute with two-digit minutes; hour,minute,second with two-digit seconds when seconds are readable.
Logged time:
9,54
